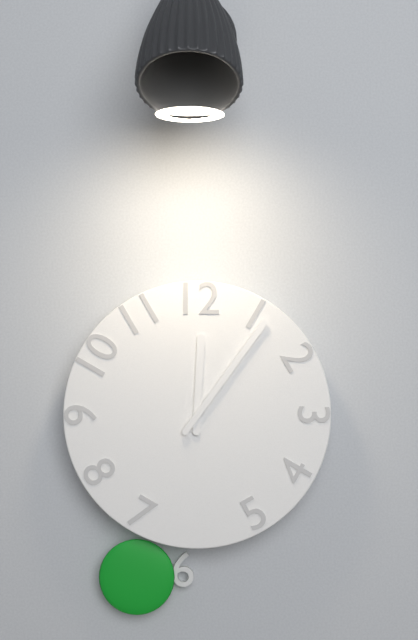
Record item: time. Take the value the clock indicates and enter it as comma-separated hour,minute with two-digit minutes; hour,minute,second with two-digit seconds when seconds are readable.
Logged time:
12,06
